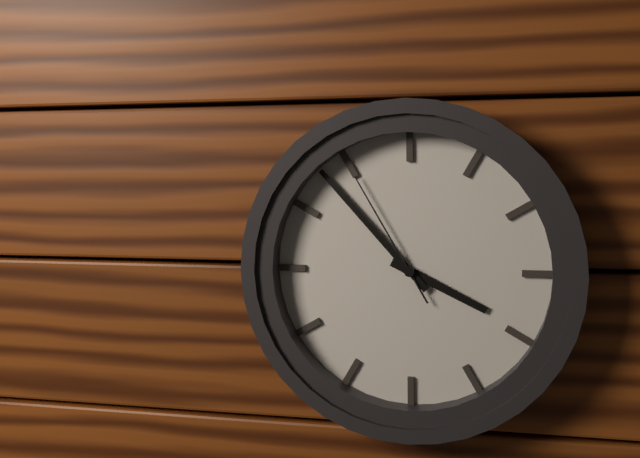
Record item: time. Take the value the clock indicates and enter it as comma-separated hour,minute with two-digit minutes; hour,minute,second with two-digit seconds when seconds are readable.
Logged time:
3,53,55
